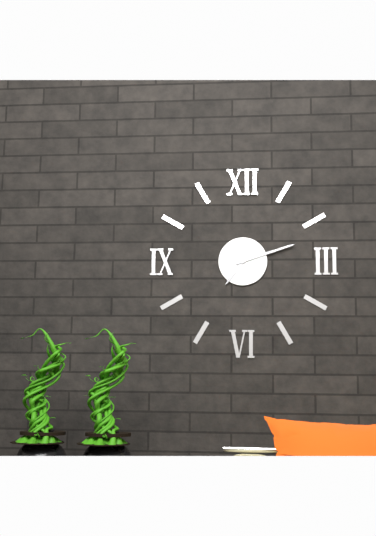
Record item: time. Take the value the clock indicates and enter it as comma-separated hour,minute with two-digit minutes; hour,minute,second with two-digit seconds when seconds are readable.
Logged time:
7,12
